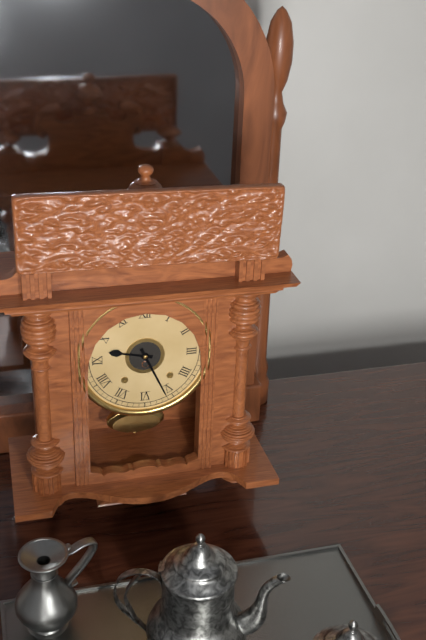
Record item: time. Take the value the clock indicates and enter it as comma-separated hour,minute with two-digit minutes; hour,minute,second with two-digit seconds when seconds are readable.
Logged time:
9,26
